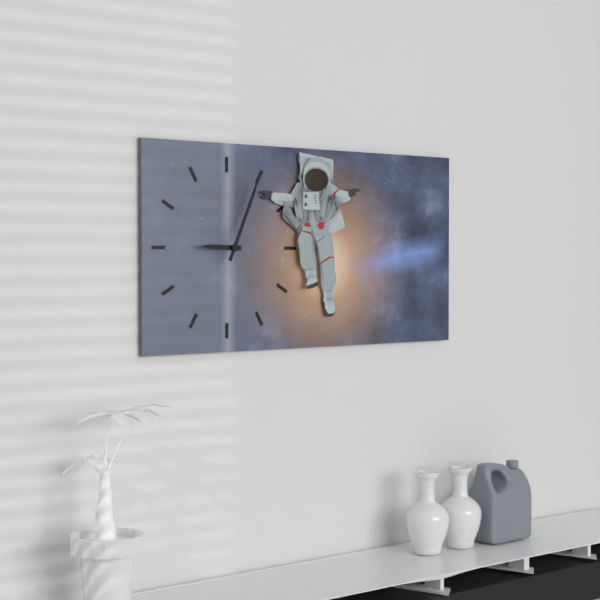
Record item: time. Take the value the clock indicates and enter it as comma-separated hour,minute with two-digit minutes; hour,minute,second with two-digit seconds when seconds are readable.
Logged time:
9,04
